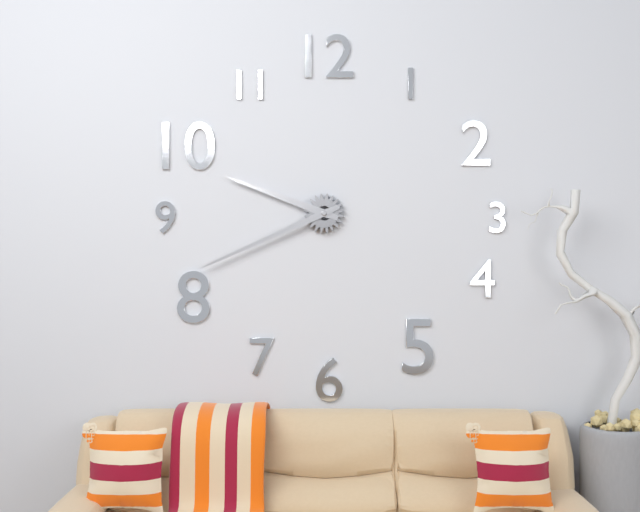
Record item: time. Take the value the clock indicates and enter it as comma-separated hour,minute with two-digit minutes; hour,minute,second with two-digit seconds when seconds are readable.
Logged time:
9,41
